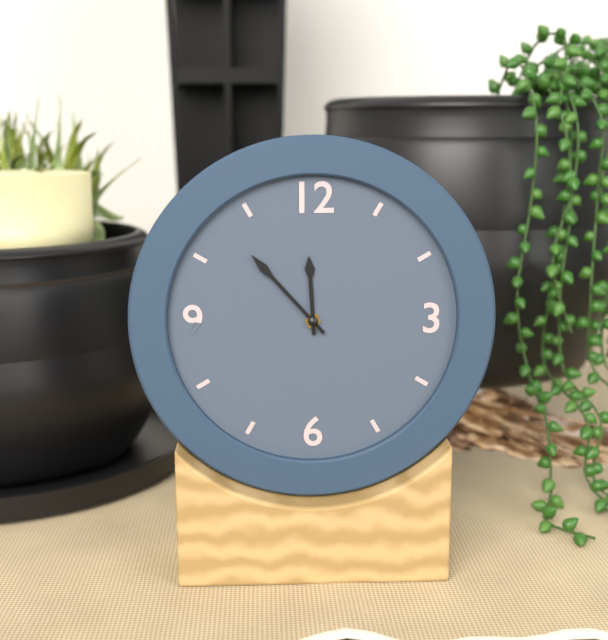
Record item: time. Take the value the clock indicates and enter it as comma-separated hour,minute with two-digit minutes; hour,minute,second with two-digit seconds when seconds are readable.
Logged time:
11,53
